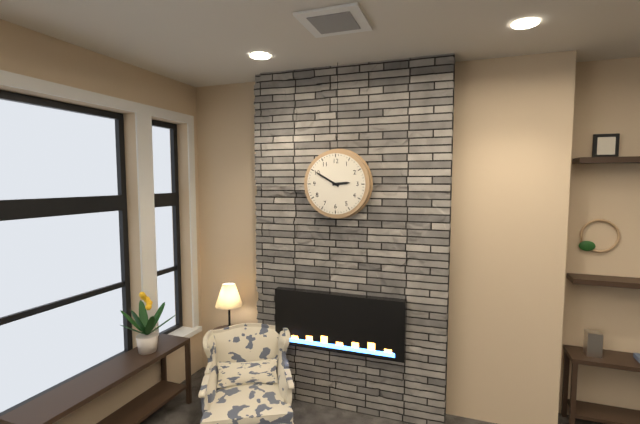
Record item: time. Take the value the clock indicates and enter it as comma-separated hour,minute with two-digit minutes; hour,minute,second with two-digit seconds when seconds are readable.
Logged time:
2,50
